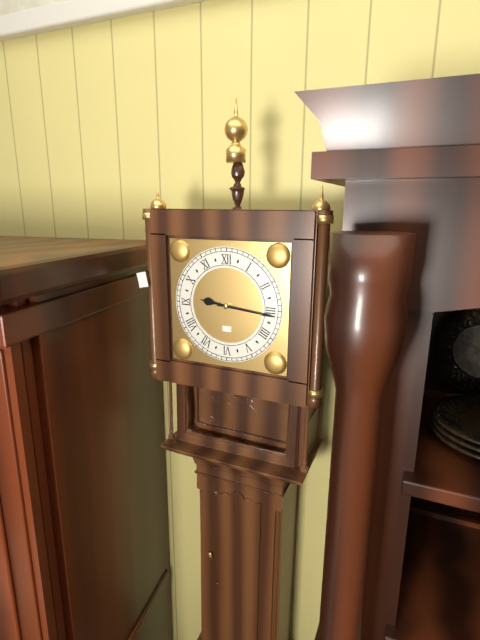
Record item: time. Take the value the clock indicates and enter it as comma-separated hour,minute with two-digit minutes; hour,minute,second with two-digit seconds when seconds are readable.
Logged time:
9,16
